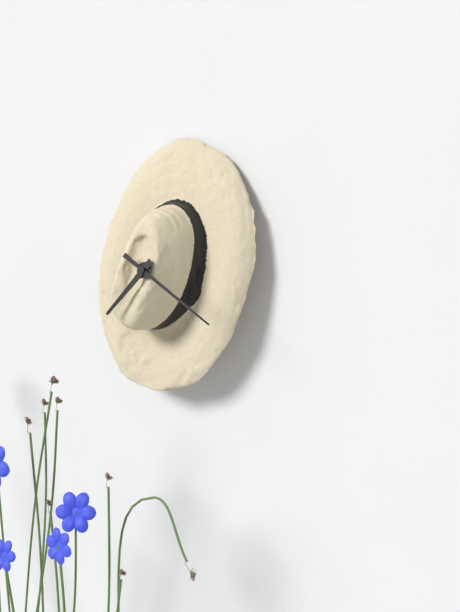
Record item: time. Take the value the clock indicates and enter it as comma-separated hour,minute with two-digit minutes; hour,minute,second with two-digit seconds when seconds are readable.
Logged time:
7,20
